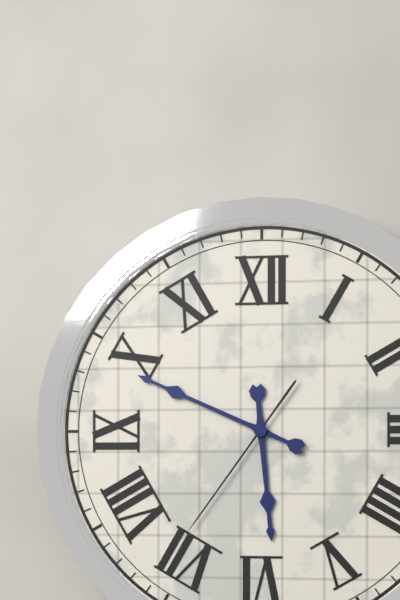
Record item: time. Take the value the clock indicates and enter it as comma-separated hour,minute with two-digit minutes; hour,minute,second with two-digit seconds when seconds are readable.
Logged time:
5,49,36
